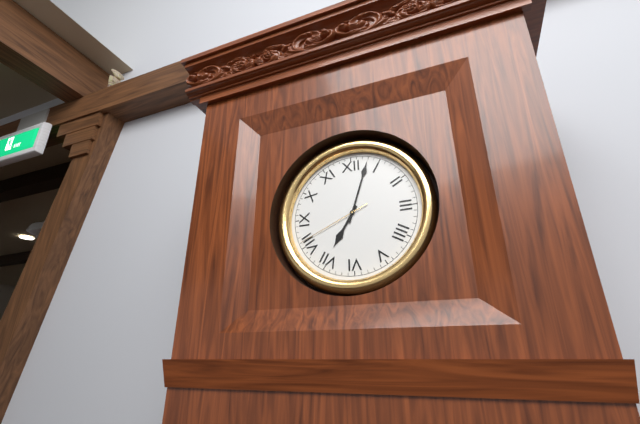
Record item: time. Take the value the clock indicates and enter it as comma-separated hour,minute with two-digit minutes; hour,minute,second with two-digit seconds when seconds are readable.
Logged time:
7,03,41
